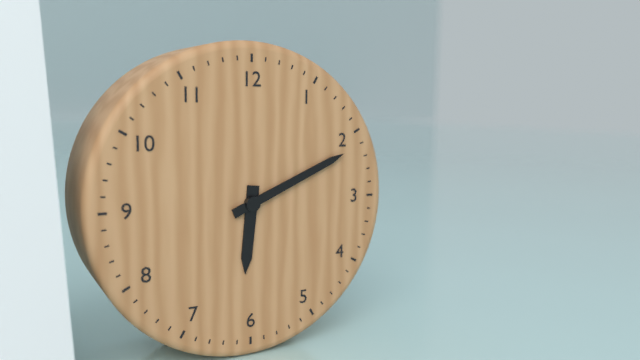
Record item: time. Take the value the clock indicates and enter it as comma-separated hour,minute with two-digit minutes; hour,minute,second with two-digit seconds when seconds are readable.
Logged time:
6,11
